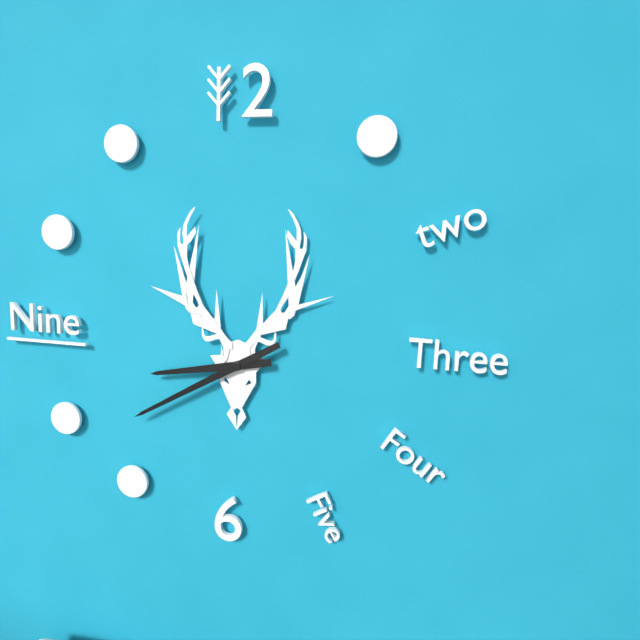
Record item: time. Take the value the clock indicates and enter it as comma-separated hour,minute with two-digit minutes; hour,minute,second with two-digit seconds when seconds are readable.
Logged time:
8,40
